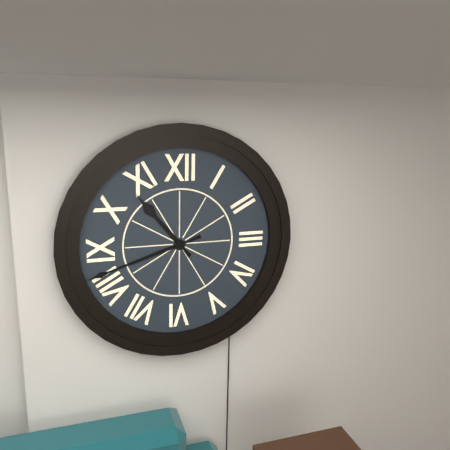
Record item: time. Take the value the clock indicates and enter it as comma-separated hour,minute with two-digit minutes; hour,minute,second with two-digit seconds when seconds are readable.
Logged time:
10,42
